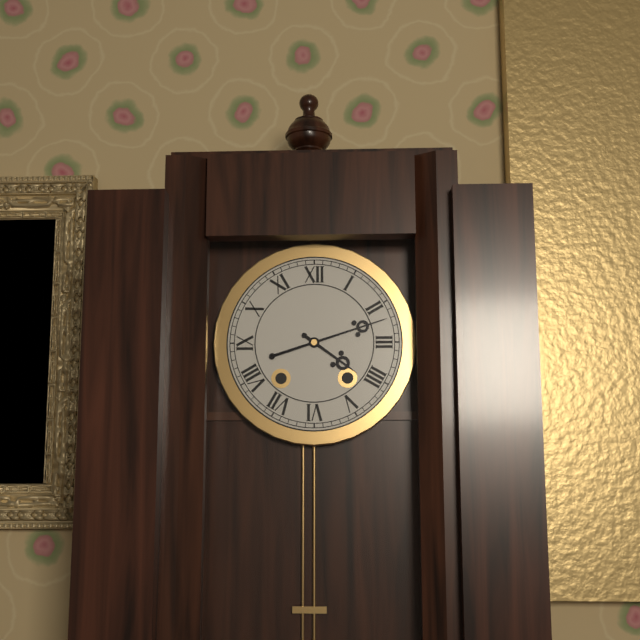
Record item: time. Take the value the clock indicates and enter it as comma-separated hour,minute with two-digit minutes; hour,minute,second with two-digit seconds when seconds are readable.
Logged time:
4,12
